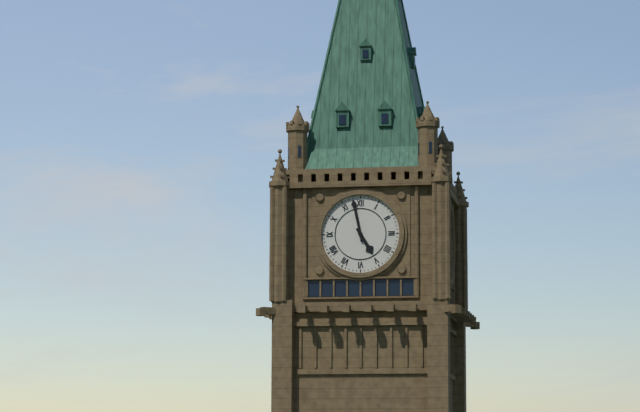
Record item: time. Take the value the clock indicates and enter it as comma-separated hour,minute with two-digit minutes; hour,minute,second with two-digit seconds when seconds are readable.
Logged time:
4,58
